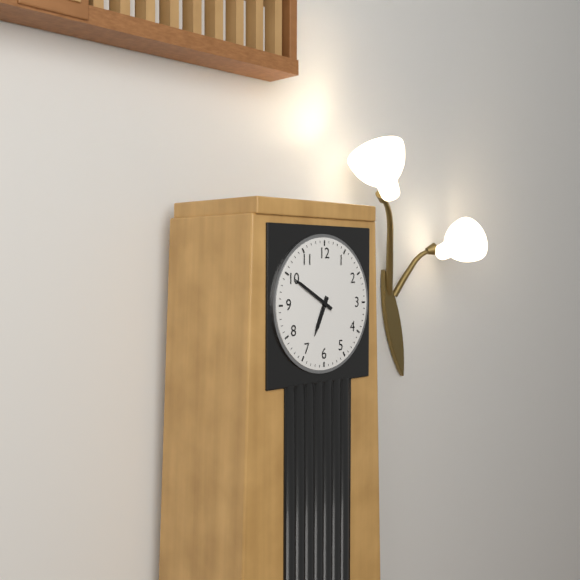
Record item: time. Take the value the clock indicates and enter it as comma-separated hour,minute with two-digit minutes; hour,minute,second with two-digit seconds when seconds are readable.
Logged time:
6,50
